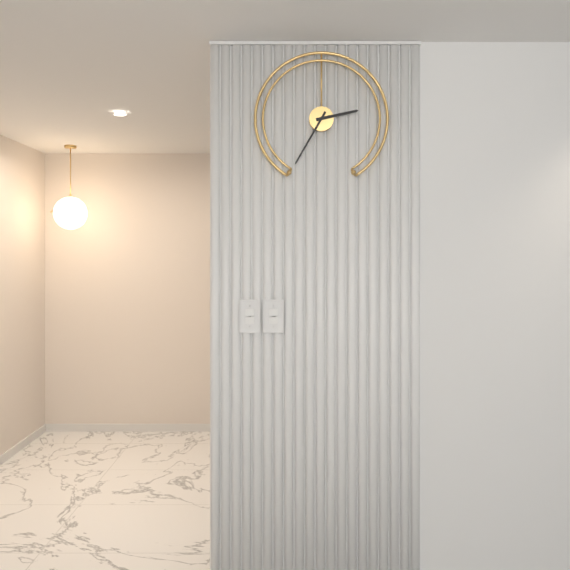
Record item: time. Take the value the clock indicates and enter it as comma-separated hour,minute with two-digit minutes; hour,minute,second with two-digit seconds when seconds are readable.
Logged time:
2,35
